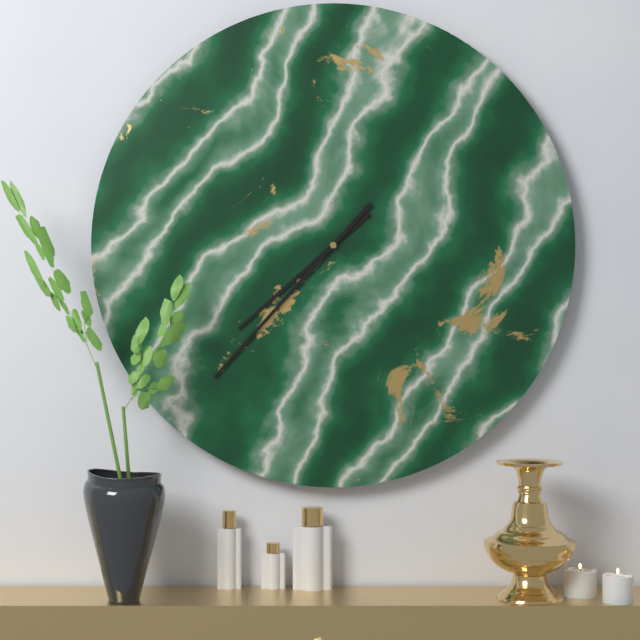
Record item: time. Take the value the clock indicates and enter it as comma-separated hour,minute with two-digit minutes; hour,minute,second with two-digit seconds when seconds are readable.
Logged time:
7,37
